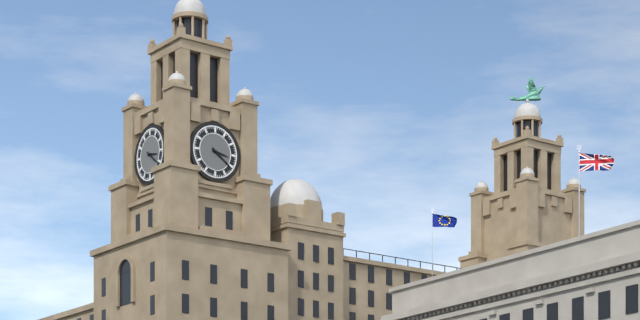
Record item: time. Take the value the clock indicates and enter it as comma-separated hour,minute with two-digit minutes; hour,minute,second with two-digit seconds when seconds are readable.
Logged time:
3,21
